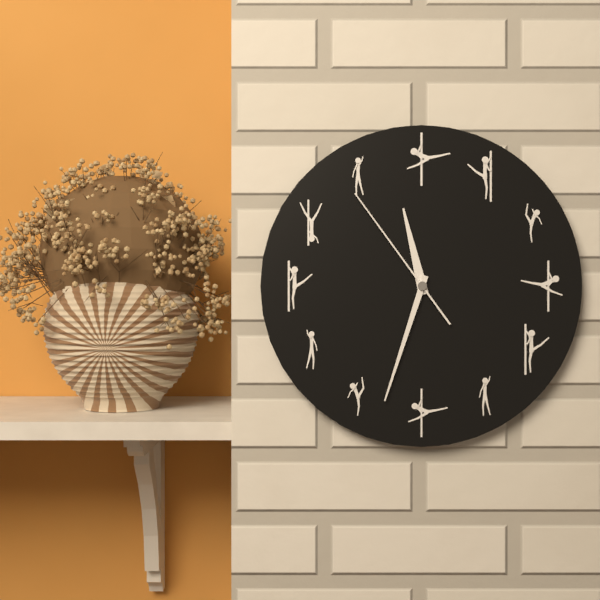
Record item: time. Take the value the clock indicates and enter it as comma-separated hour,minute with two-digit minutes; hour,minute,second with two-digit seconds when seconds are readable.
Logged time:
11,33,54
